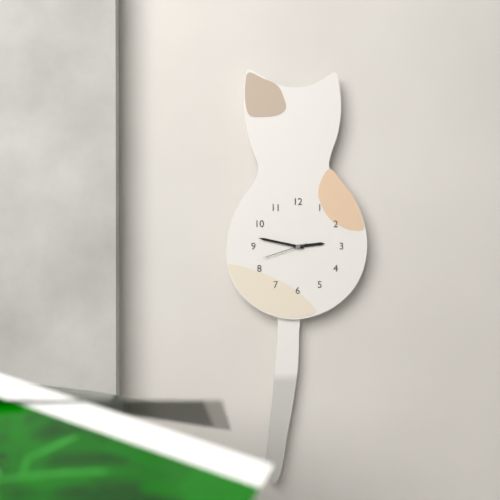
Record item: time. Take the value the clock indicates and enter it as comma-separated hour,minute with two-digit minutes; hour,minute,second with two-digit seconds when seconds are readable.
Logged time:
2,47
